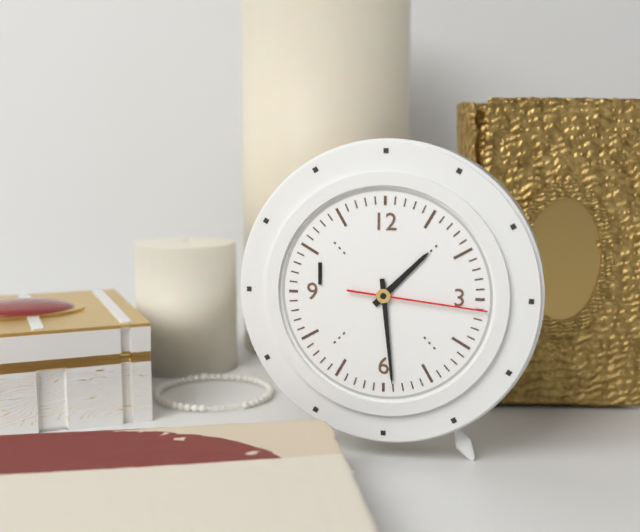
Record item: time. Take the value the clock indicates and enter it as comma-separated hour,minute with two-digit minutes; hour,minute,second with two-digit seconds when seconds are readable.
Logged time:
1,29,16
